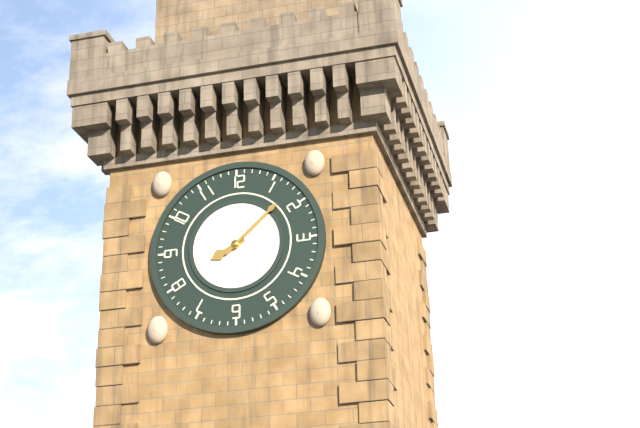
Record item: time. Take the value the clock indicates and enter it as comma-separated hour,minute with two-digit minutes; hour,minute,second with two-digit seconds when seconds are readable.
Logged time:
8,08
